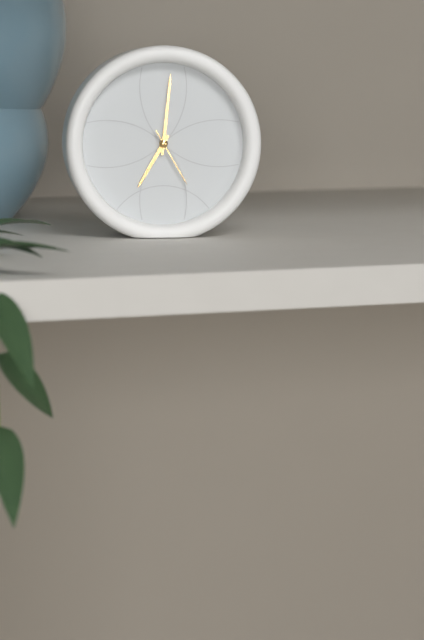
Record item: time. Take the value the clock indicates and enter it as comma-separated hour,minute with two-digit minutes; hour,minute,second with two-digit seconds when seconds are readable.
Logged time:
7,01,25
